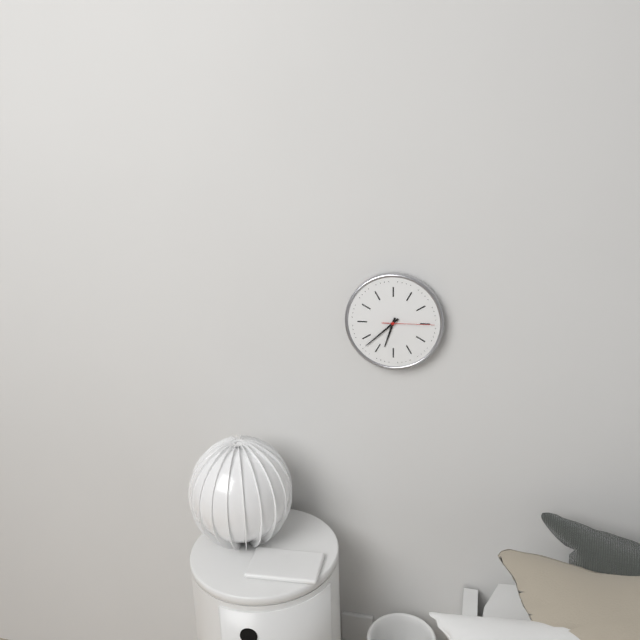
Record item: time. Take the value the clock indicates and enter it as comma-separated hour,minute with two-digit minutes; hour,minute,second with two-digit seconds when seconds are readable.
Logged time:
6,38,15
